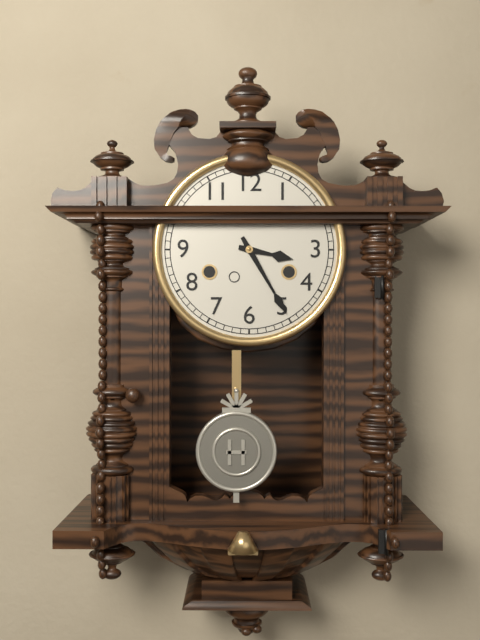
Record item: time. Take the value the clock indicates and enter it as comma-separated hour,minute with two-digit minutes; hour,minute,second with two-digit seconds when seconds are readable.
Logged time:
3,25
